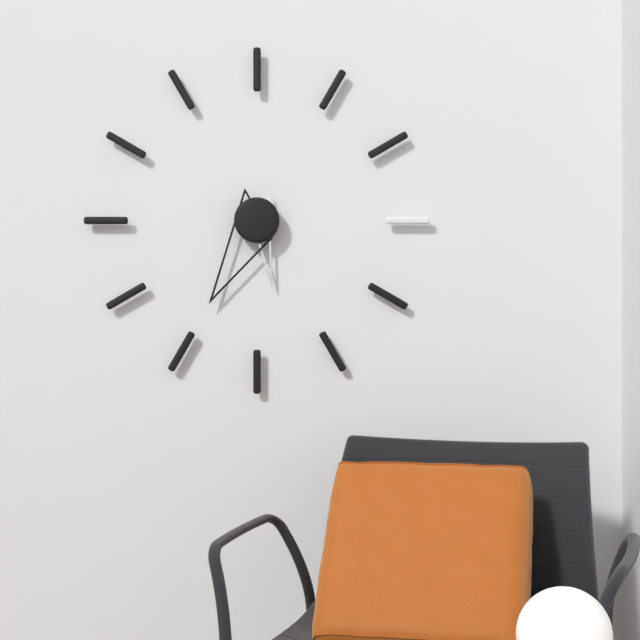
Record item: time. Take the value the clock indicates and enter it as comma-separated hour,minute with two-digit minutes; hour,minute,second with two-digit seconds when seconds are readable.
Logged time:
5,35
